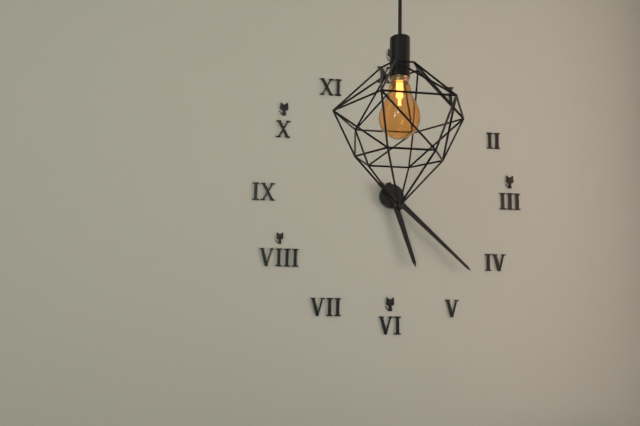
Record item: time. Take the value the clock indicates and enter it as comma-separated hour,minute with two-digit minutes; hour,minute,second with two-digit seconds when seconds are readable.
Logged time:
5,22
